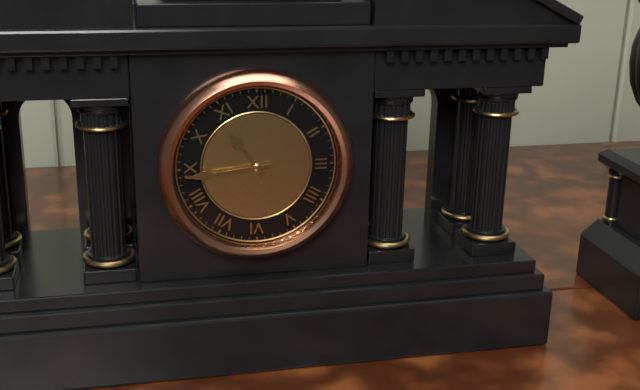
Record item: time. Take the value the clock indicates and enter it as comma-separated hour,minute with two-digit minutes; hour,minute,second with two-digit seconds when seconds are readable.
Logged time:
10,44
